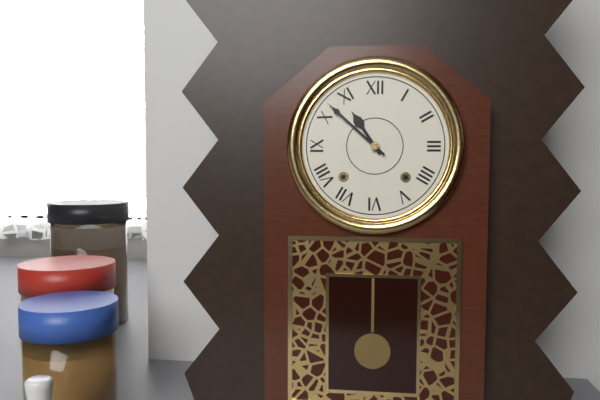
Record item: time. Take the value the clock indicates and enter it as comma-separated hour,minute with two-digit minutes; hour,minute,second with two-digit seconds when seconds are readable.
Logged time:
10,52
